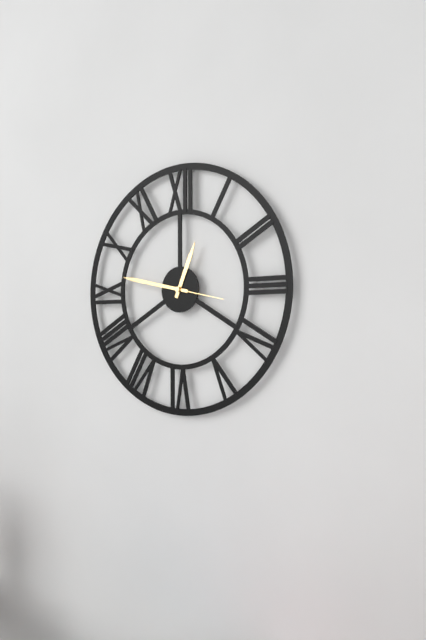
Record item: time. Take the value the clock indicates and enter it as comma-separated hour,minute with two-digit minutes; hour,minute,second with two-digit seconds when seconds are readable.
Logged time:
12,47,17
